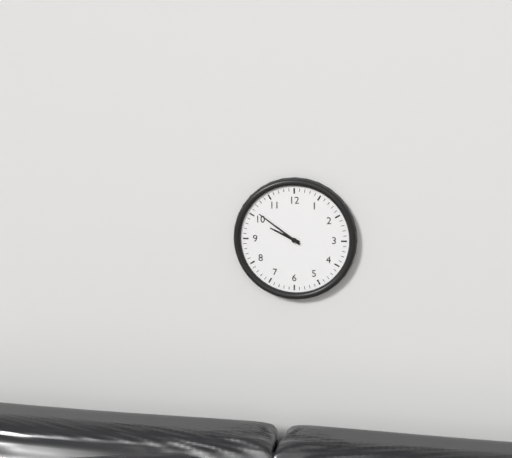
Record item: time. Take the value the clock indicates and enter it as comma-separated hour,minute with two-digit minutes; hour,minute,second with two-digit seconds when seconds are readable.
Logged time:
9,51
